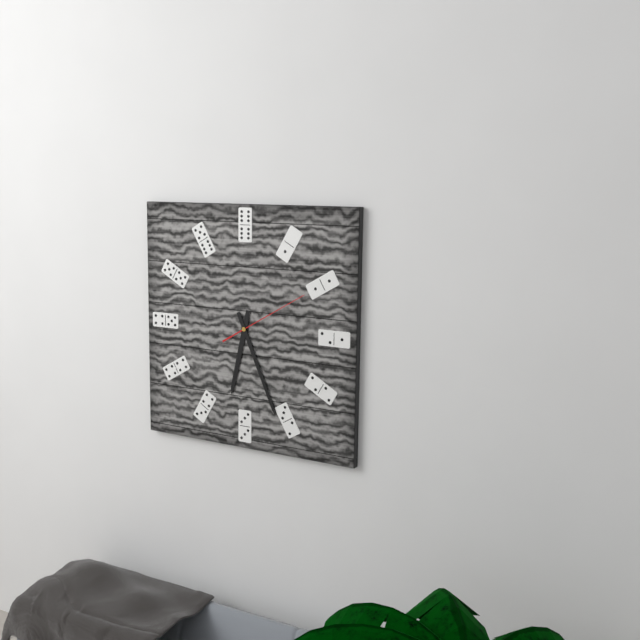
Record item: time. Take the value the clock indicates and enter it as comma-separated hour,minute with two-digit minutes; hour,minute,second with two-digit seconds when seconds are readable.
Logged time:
6,26,10
